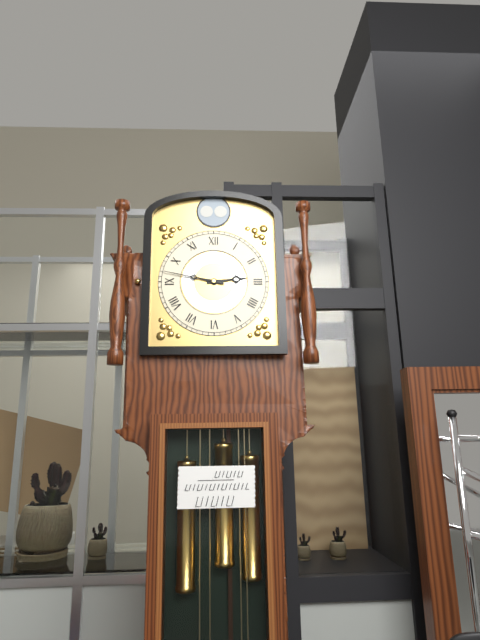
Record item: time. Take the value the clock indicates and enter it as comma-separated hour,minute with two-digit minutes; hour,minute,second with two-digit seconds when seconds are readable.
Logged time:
2,47
